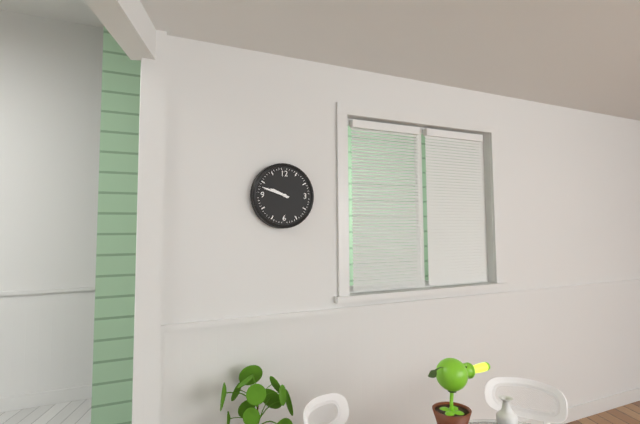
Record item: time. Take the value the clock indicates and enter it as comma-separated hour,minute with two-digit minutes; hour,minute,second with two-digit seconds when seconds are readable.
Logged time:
9,48
